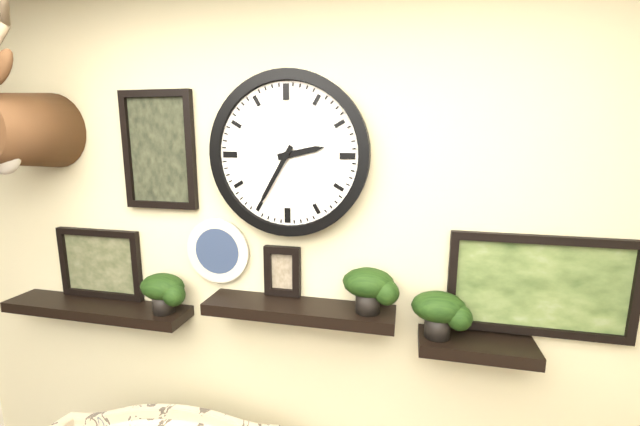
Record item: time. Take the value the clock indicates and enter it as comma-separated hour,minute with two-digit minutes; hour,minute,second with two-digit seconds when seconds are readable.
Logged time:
2,35
